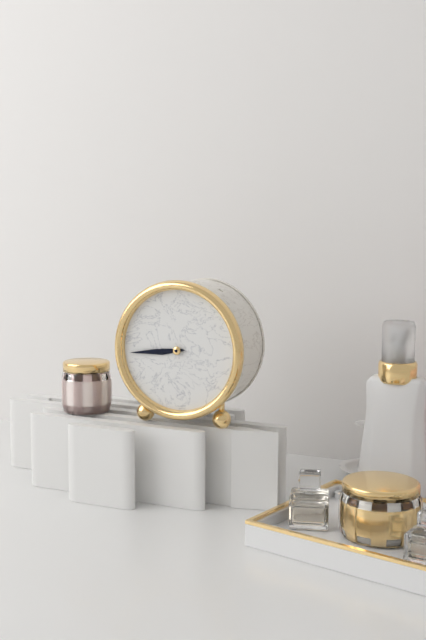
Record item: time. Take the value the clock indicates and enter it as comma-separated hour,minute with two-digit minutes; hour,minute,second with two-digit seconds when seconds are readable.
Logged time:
8,44
